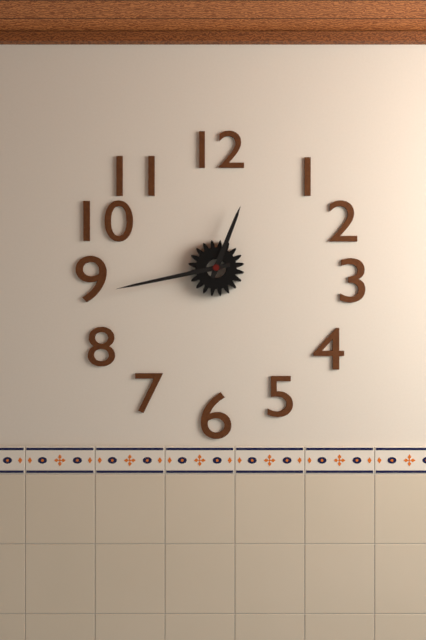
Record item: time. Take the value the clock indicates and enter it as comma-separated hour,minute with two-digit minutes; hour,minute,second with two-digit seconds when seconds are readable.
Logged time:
12,43
